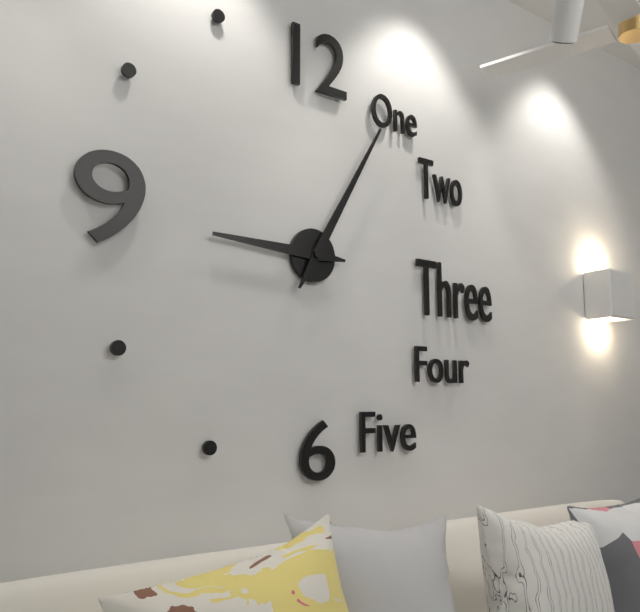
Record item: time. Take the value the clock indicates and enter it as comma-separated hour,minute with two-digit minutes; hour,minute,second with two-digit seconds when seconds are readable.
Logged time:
9,05
